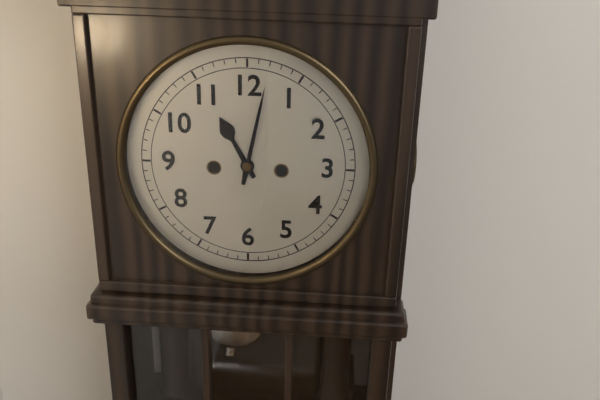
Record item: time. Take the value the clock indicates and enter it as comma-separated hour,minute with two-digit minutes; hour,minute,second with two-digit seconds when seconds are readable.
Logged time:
11,02
